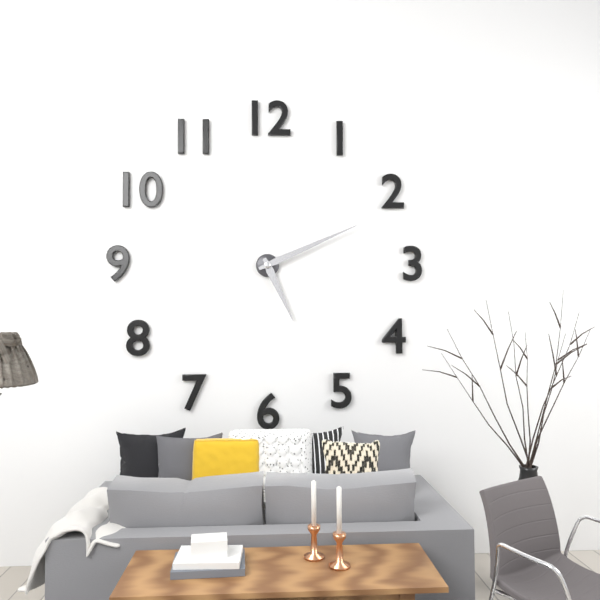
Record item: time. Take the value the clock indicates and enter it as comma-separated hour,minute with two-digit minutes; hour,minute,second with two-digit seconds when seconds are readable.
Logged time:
5,11
